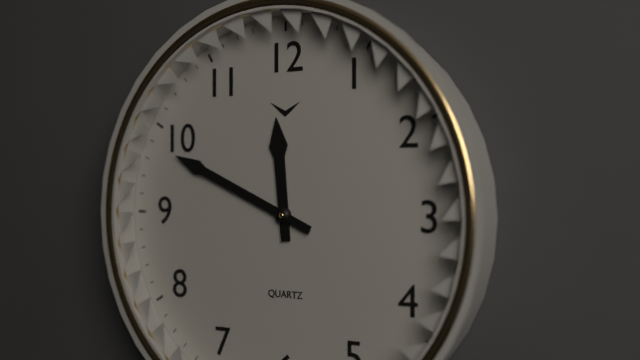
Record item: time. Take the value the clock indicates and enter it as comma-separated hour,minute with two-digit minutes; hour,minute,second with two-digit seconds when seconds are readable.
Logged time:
11,49
